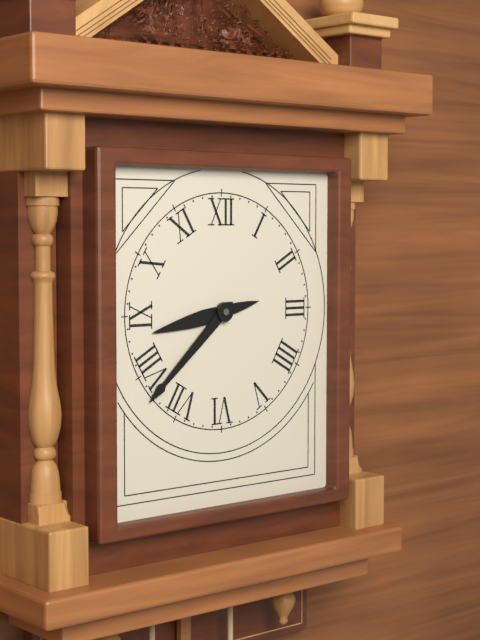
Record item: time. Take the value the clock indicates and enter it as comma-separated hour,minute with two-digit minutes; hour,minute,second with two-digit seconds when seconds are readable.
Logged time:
8,38
